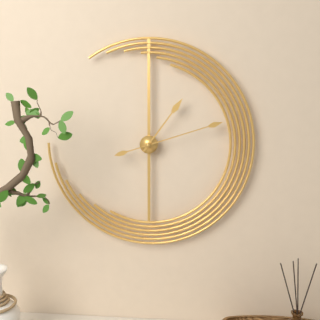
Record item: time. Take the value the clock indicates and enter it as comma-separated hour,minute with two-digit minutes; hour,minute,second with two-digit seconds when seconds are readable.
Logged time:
1,12
